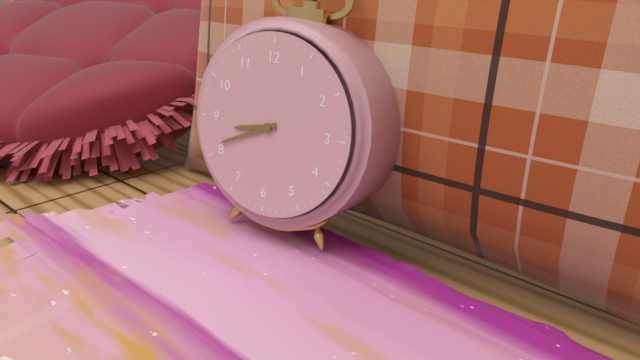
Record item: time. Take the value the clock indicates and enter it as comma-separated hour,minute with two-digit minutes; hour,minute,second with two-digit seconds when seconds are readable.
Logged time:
8,41
